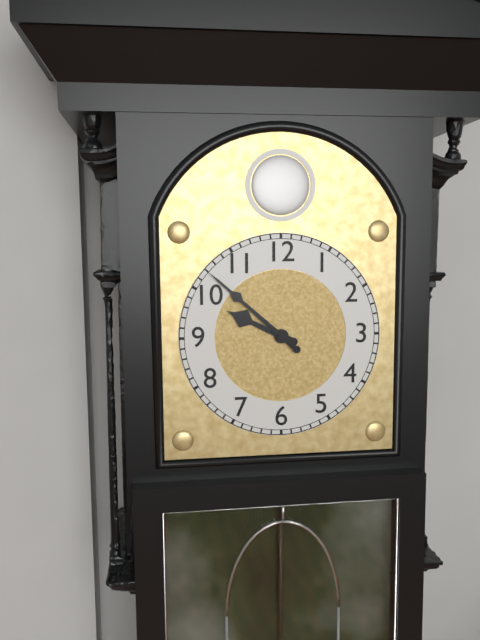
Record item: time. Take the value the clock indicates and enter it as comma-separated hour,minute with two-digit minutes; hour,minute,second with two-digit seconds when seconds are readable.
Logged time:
9,52
